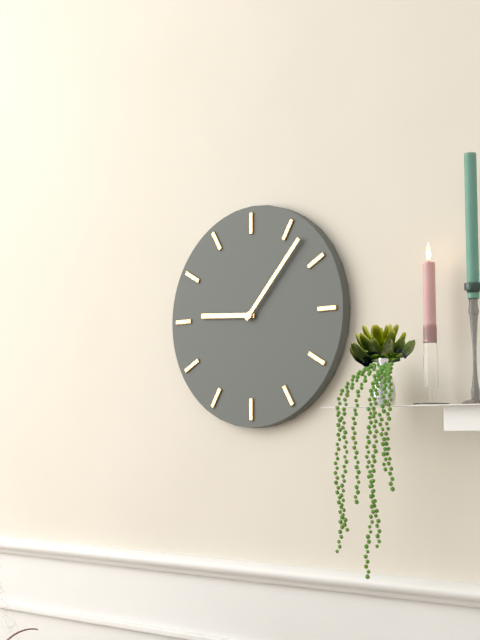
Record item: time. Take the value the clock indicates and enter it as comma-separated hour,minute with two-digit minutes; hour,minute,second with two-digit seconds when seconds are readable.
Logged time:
9,07
